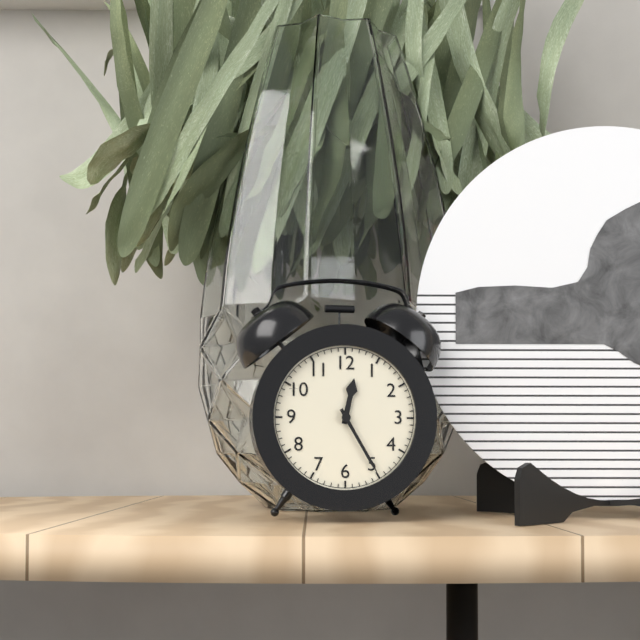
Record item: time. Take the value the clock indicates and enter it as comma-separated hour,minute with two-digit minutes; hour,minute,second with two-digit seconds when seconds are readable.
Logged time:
12,25
